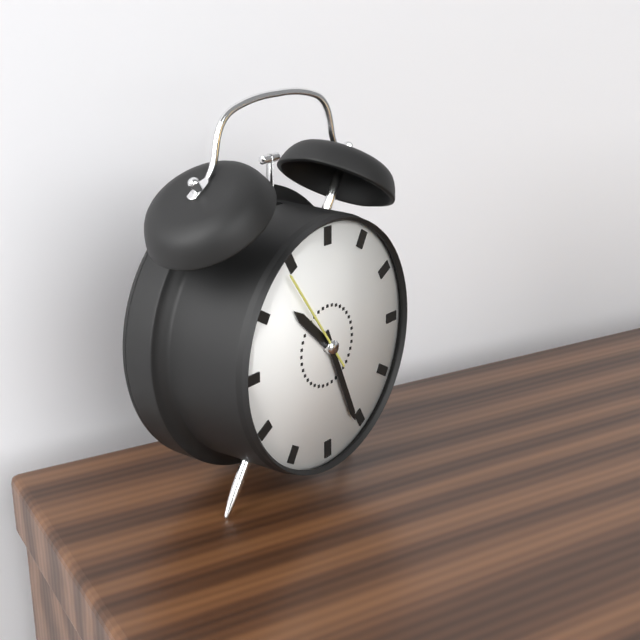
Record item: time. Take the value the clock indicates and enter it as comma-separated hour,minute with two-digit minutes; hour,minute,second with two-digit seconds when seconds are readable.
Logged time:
10,26,54
